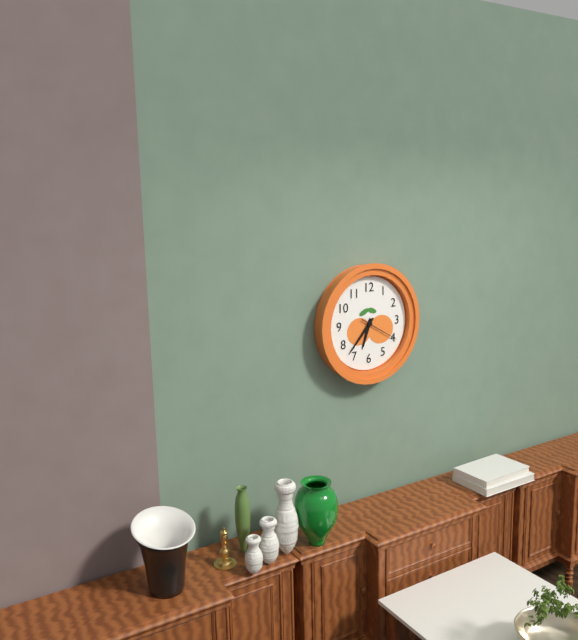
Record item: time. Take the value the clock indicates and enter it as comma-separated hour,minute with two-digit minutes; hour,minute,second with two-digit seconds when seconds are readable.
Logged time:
6,37
